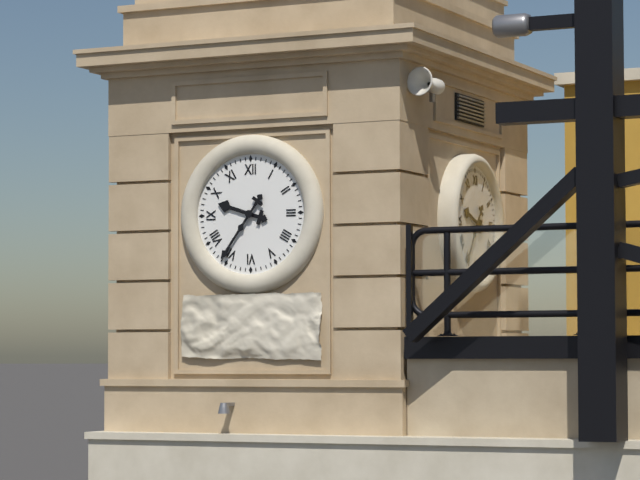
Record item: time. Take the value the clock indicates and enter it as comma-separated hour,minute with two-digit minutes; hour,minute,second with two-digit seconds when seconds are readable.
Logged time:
9,36
